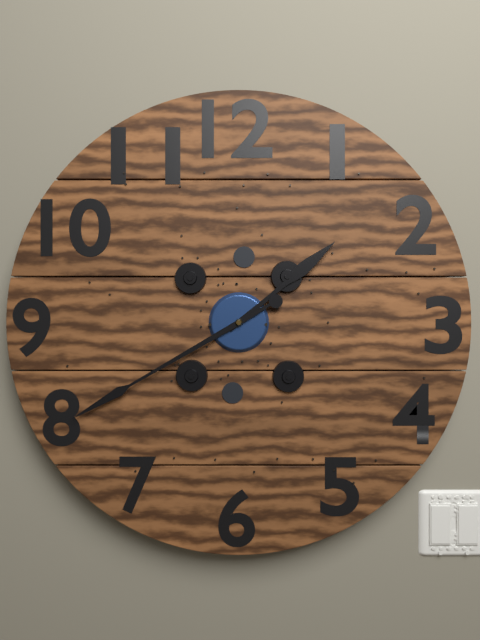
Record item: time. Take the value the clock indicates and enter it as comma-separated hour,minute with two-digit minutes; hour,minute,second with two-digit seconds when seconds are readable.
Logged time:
1,40
